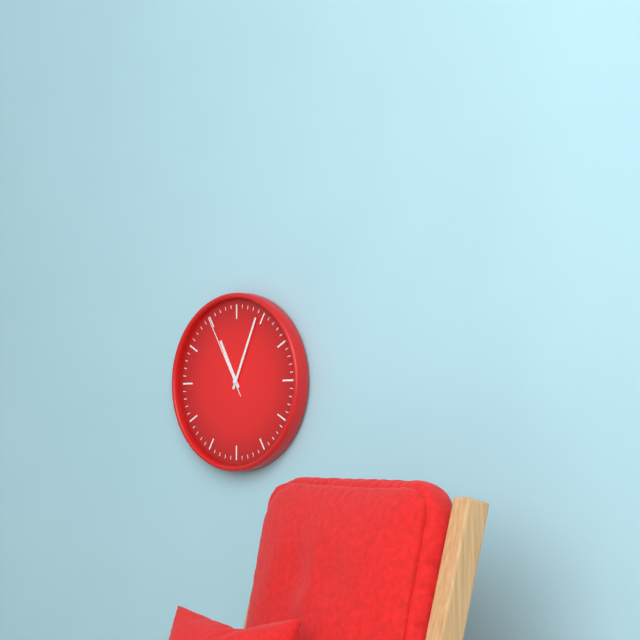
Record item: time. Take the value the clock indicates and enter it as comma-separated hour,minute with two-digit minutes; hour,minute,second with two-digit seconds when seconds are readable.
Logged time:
11,04,55
